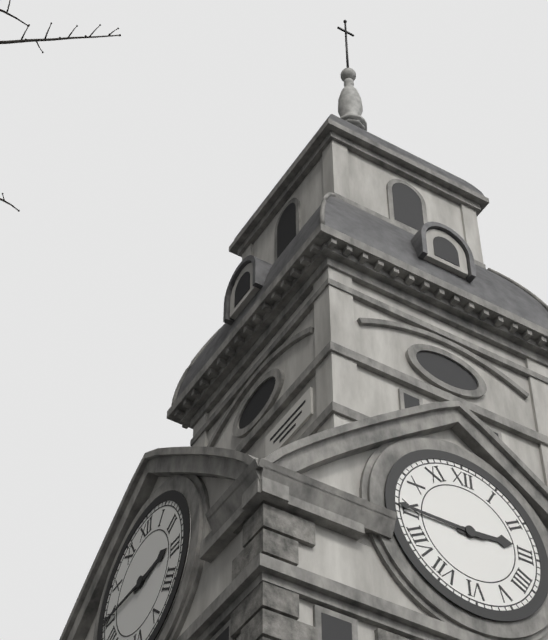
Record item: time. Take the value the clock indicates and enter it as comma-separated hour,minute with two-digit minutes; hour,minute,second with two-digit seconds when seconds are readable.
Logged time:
2,45
